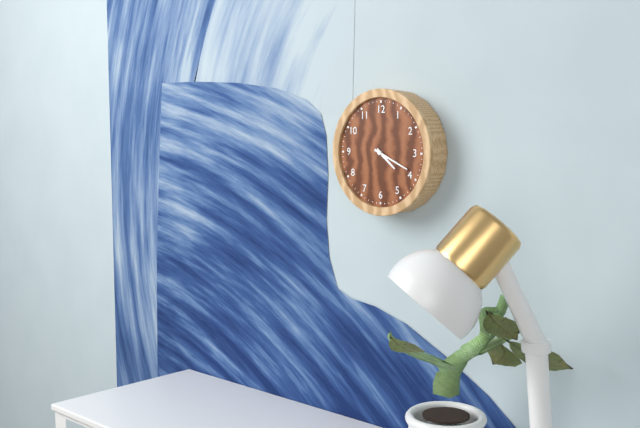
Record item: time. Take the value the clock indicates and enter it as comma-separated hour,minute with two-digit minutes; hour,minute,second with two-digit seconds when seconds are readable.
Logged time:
4,19
